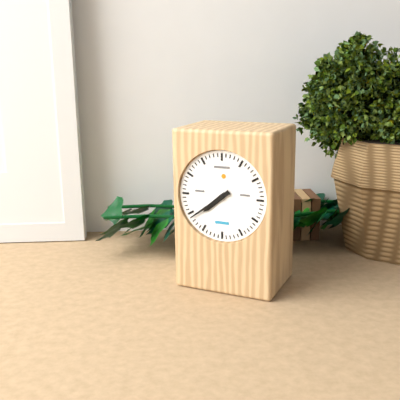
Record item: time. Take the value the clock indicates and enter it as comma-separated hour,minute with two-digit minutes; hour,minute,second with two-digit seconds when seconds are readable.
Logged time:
7,39
